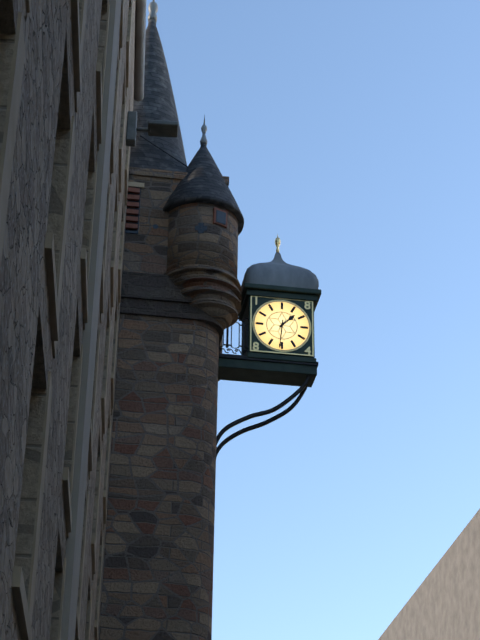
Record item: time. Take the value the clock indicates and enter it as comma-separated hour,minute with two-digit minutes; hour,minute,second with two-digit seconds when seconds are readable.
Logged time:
1,31
